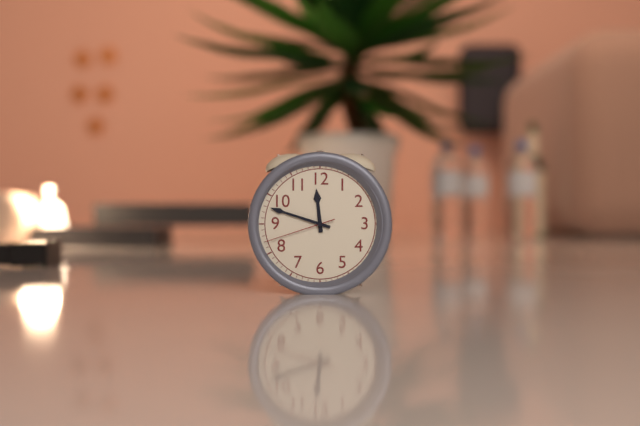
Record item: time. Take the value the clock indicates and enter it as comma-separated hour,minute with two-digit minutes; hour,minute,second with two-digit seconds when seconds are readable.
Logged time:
11,48,42
